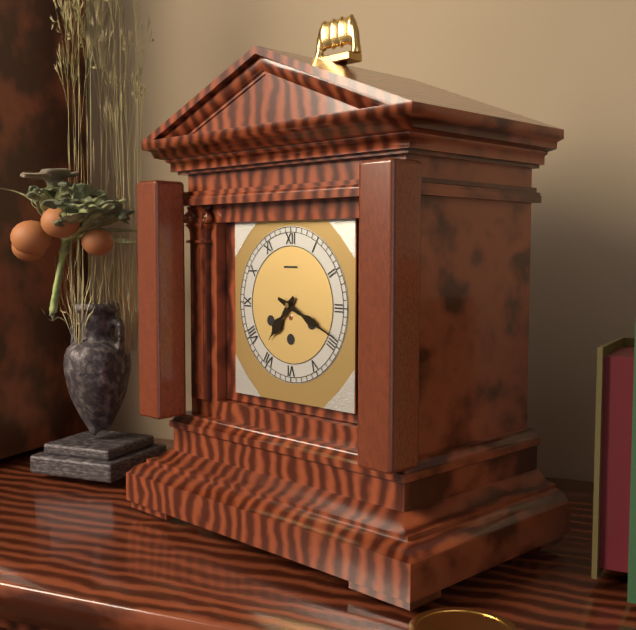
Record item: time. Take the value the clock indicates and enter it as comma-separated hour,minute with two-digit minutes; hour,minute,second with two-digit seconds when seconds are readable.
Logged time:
7,19
